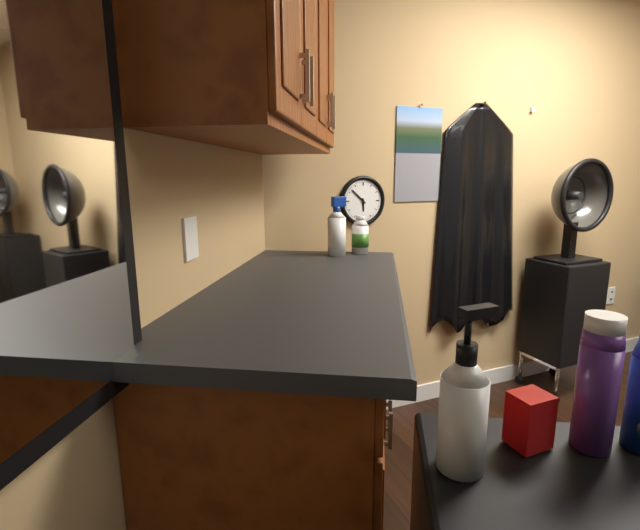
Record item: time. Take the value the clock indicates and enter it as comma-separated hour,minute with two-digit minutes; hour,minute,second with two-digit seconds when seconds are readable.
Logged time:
5,52
